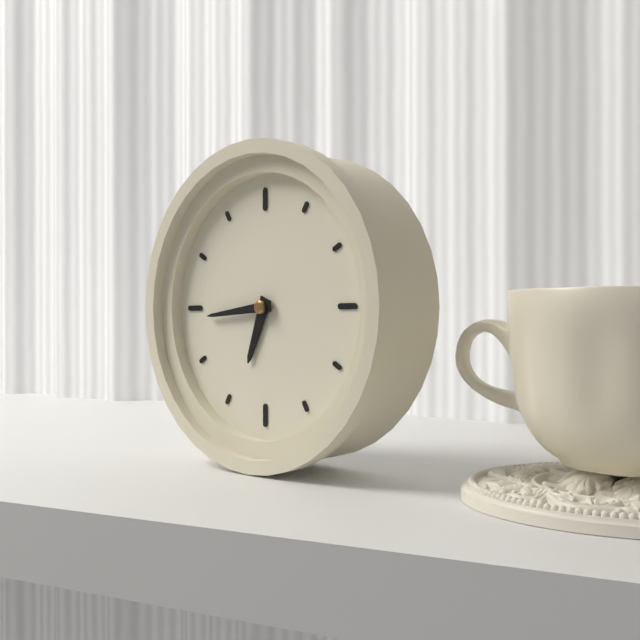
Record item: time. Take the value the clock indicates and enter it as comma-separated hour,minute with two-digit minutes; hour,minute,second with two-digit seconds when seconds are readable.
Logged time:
6,44
